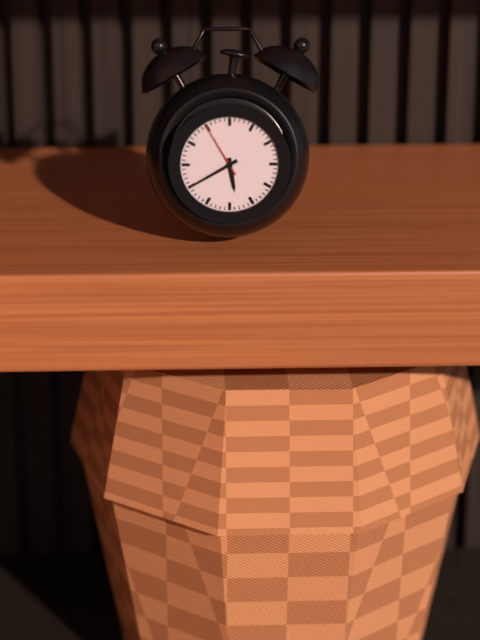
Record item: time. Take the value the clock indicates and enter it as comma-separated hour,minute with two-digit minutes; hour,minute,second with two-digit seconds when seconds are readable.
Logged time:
5,40
